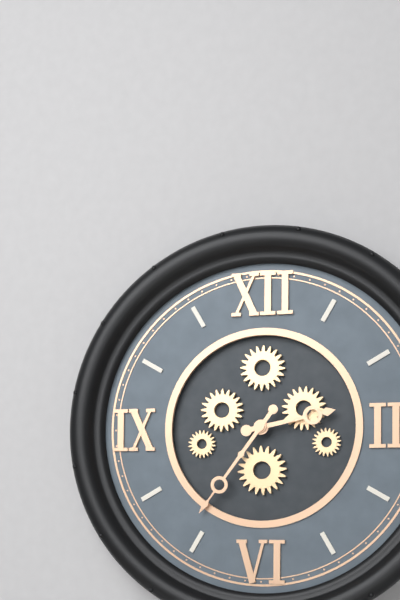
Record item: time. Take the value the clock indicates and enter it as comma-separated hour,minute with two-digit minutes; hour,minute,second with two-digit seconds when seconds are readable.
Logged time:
2,36
